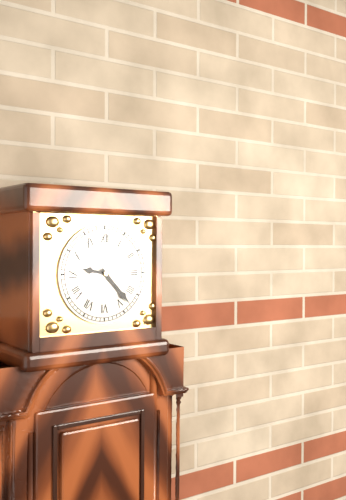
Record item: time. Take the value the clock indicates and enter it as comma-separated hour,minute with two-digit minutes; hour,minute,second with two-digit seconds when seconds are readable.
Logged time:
9,23
